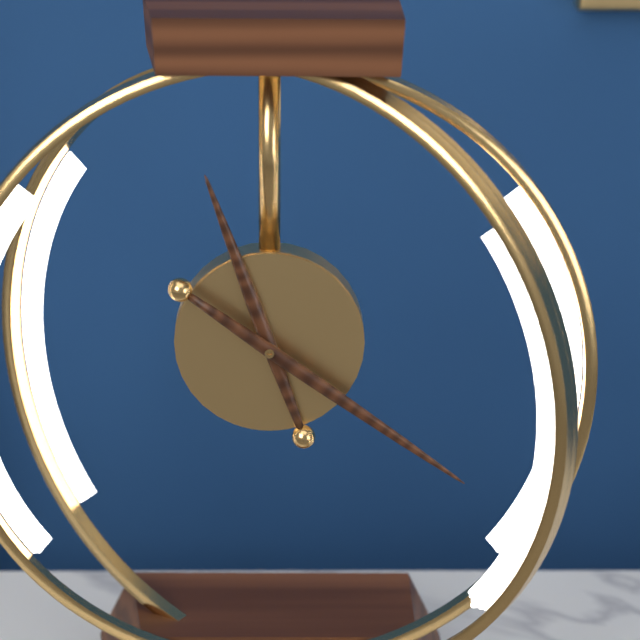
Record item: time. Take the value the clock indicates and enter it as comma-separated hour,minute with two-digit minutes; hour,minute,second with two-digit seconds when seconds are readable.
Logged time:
11,21
